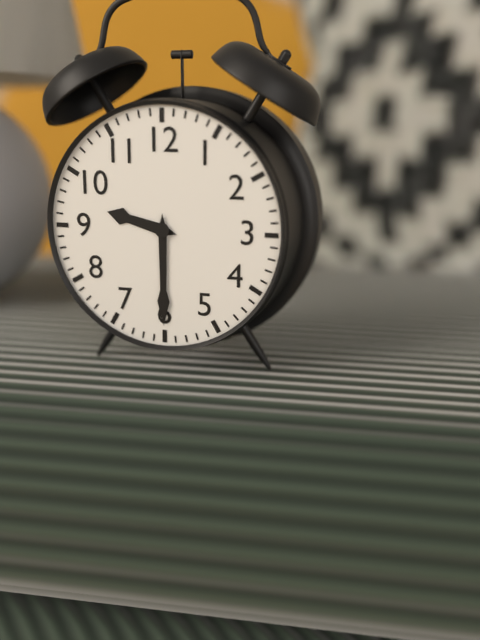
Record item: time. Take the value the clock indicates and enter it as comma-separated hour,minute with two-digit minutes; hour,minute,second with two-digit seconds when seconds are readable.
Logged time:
9,30
